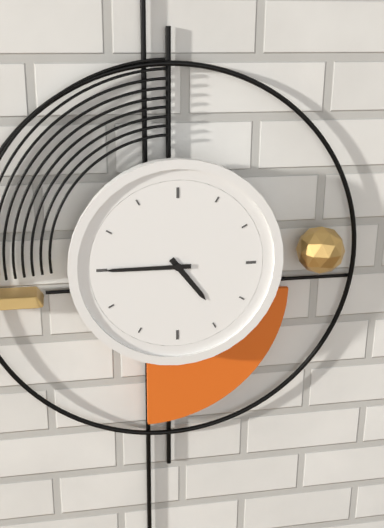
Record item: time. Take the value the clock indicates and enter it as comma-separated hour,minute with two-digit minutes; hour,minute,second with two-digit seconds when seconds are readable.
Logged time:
4,45
